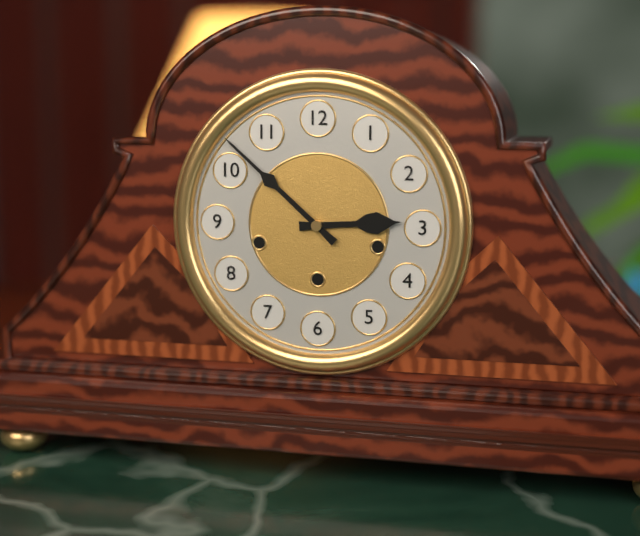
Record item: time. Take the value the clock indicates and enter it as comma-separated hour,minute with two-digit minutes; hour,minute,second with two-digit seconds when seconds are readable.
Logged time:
2,52
